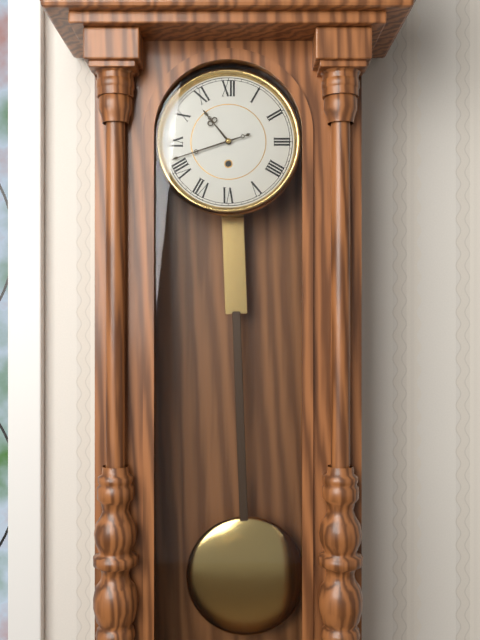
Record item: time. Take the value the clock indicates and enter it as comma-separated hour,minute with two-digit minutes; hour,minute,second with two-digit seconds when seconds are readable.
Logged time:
10,42
